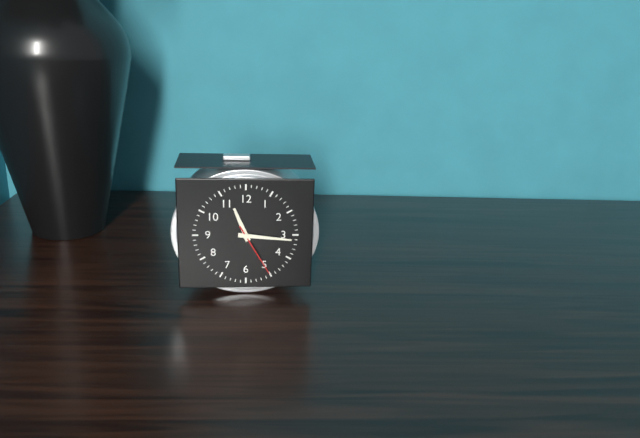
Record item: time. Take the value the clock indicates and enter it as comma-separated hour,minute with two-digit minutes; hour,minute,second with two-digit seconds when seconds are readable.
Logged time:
11,16,25
